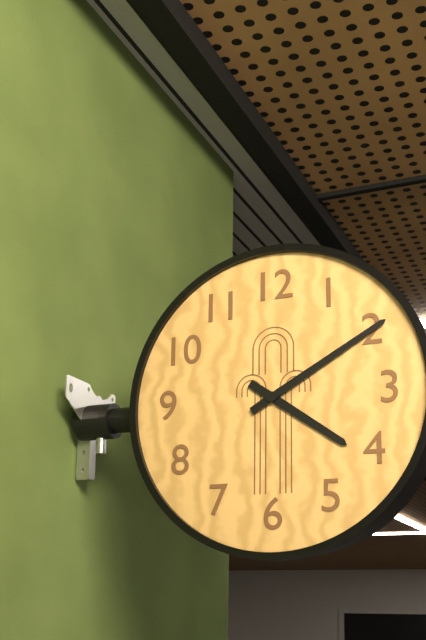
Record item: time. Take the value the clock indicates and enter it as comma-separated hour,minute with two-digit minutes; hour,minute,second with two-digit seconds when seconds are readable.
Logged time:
4,10
